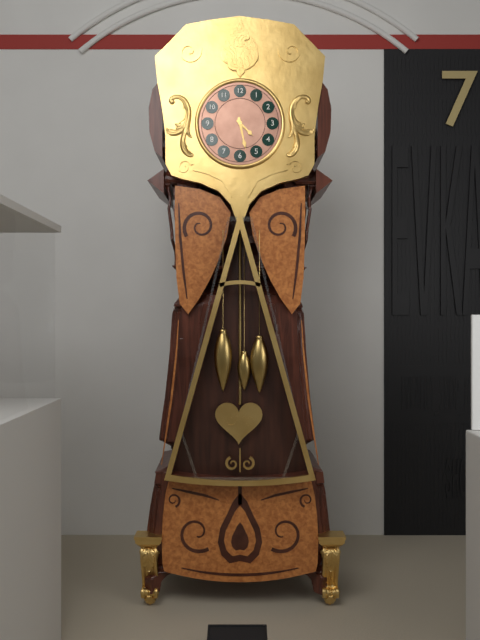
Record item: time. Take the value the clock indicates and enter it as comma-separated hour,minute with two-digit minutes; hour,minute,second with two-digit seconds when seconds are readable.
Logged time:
4,28
